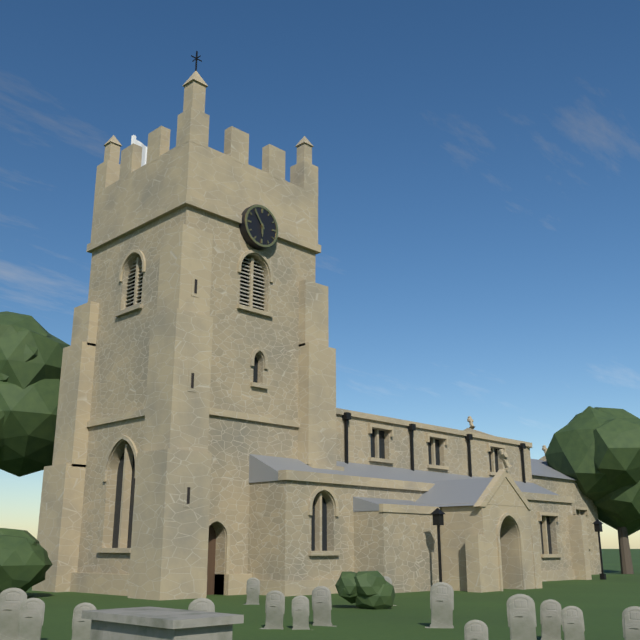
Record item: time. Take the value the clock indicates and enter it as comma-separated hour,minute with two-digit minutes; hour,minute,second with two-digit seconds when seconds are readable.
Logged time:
5,54
